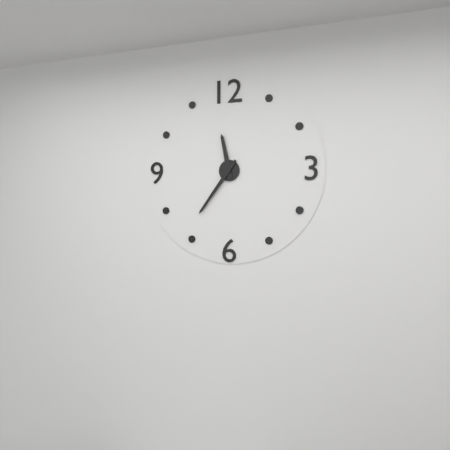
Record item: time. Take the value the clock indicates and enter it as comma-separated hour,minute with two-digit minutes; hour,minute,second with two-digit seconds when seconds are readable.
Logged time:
11,36
